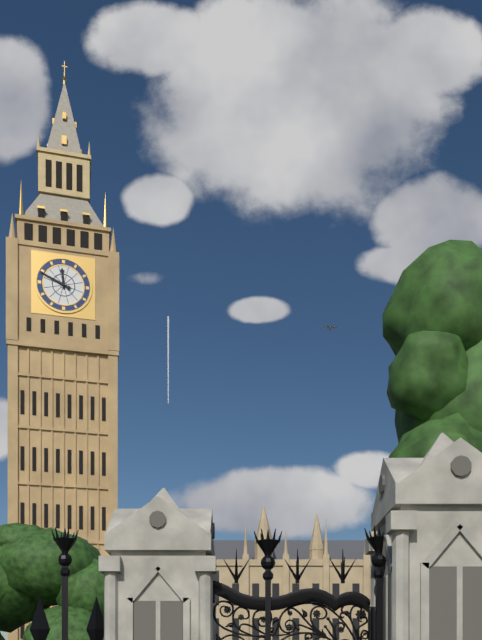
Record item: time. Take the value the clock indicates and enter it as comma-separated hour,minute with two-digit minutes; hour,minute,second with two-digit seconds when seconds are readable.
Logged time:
11,49
